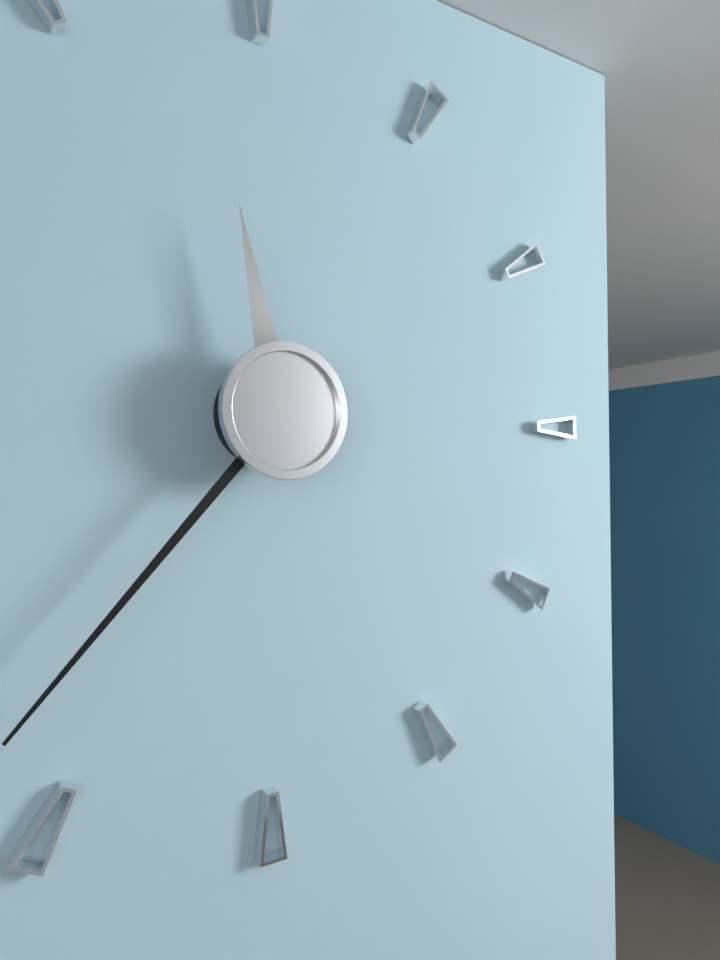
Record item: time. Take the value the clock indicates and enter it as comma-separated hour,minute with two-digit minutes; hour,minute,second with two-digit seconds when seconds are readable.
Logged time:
11,37
